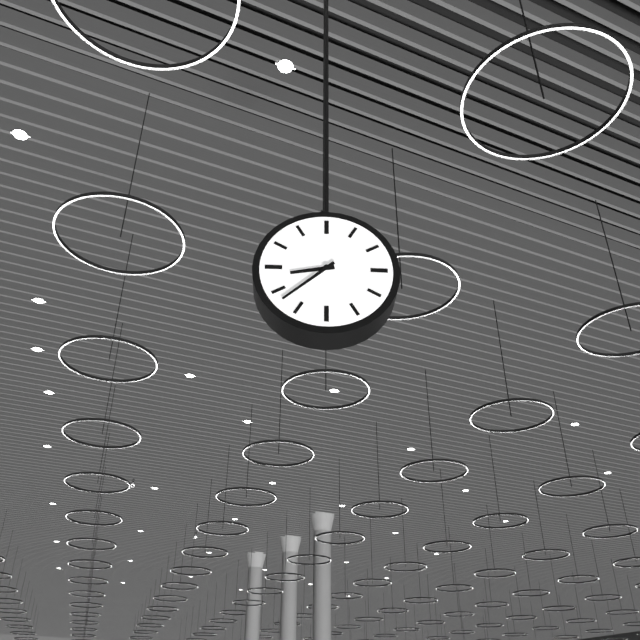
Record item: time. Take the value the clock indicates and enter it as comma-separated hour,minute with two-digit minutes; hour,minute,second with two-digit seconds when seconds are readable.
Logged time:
8,38
